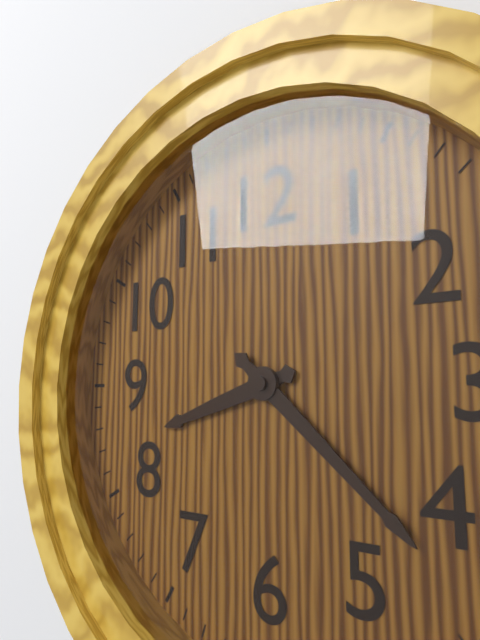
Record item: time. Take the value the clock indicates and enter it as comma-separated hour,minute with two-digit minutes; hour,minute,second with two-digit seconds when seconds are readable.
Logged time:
8,22
